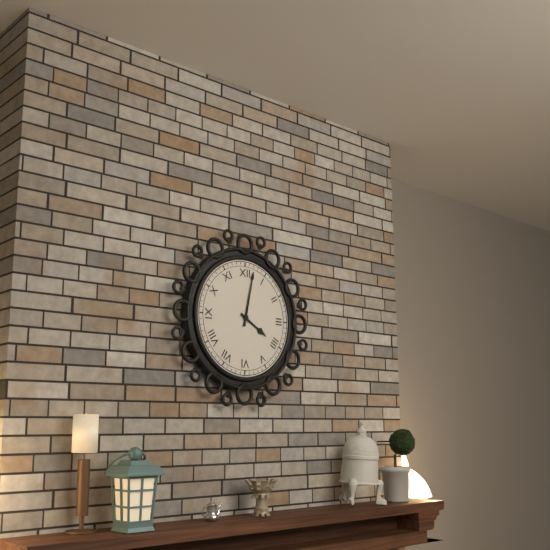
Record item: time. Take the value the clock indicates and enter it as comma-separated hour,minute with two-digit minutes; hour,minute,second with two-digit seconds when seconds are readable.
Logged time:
4,02
